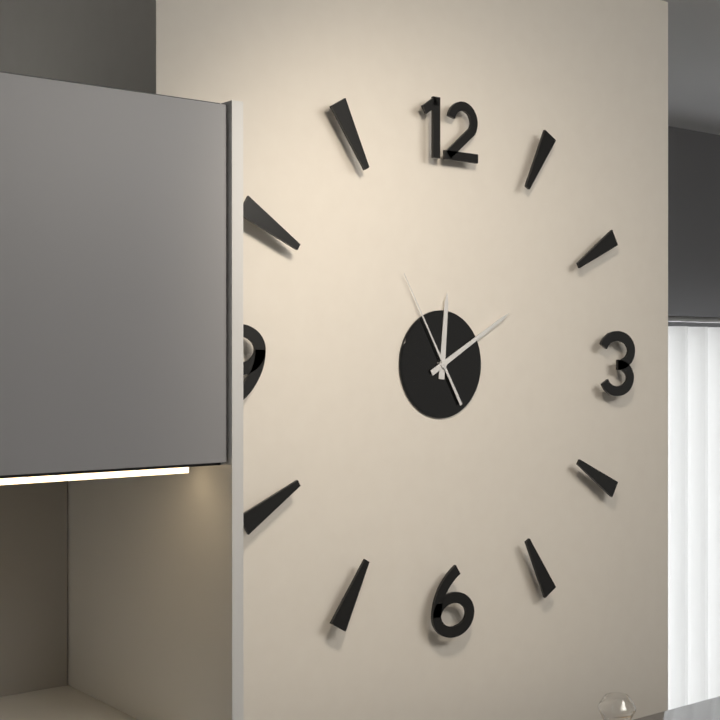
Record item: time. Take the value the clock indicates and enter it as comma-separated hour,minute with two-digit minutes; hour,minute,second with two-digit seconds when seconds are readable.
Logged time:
12,10,55
